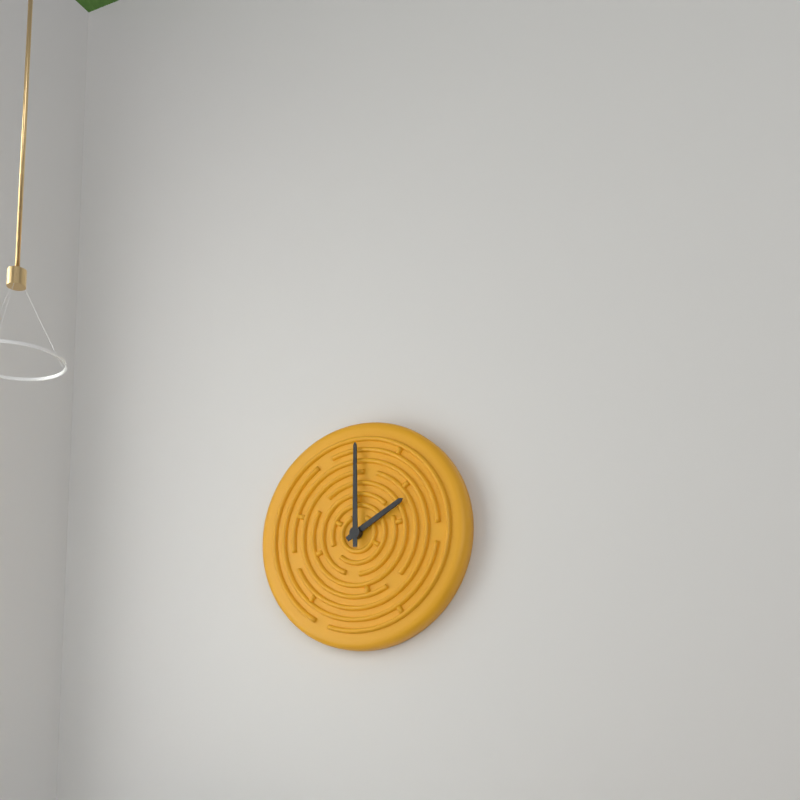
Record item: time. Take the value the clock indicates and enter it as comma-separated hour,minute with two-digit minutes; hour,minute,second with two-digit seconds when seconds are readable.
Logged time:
2,00
